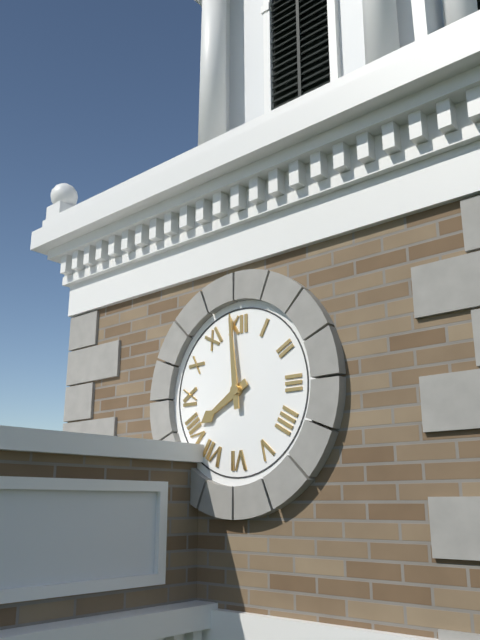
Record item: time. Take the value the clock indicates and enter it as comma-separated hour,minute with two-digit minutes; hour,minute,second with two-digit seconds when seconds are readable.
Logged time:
7,59
